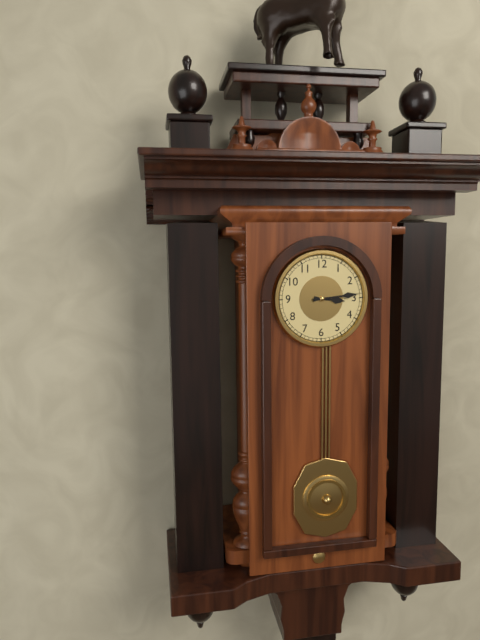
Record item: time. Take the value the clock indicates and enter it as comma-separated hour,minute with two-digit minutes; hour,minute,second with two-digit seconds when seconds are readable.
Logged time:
3,14
